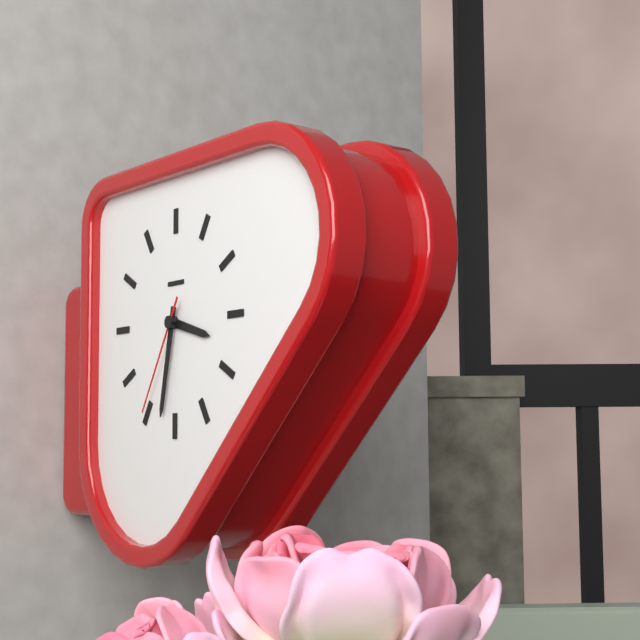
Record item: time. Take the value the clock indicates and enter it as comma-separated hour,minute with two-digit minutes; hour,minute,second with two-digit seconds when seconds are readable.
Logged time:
3,32,35
